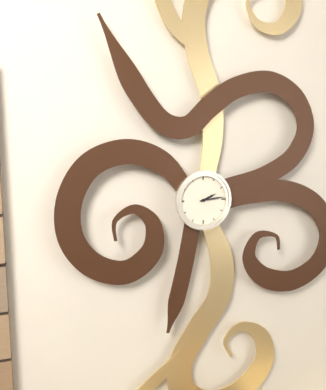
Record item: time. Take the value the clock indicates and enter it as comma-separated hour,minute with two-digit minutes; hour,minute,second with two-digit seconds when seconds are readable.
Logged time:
2,14
